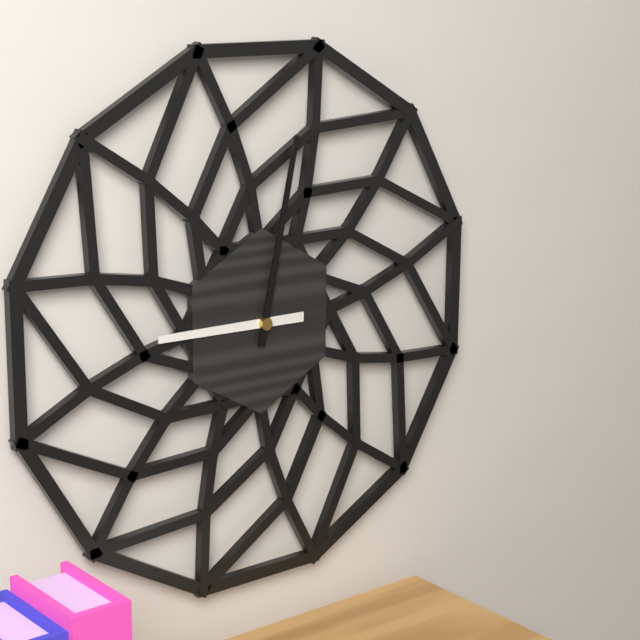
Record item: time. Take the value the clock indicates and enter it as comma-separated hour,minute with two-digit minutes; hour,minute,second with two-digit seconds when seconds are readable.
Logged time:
9,02
